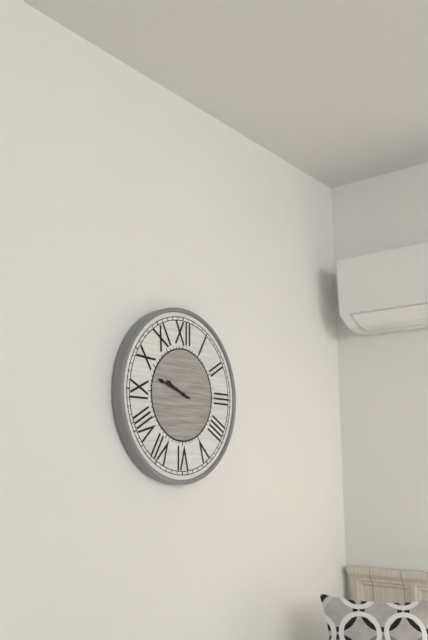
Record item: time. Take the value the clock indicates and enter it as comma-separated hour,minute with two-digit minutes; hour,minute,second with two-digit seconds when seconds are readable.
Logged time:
9,48
